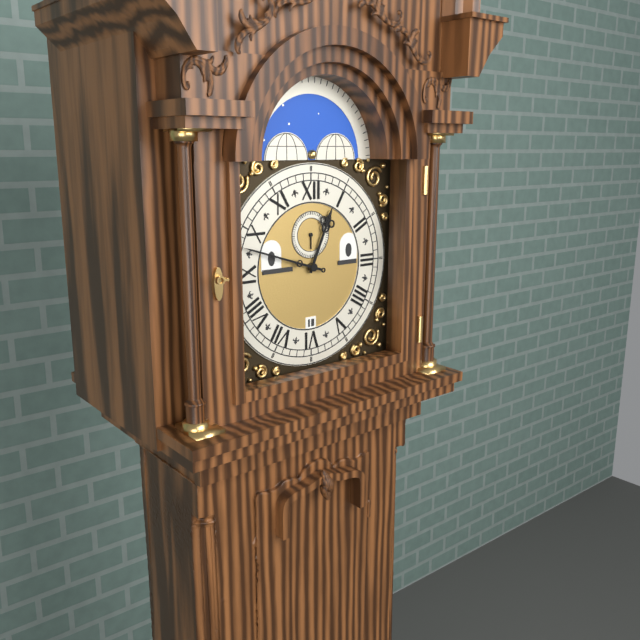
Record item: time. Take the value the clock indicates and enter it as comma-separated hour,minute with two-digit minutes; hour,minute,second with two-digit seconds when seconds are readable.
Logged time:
12,48
